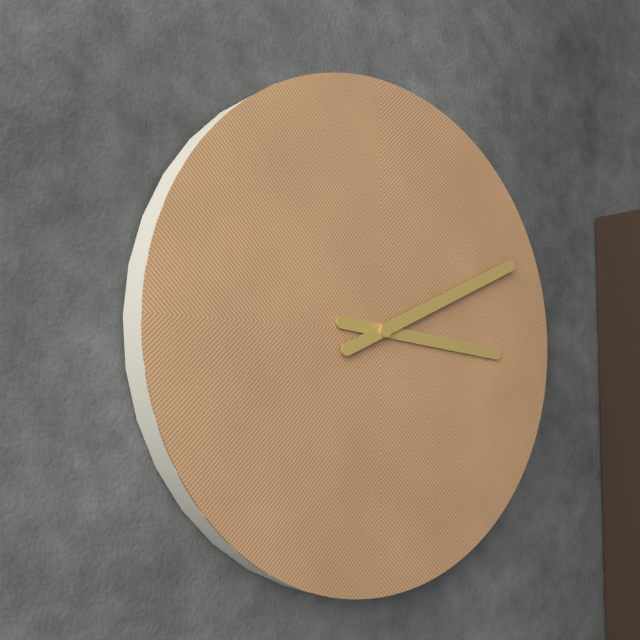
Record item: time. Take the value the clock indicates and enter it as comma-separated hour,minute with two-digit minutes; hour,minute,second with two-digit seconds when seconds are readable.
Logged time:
3,11
